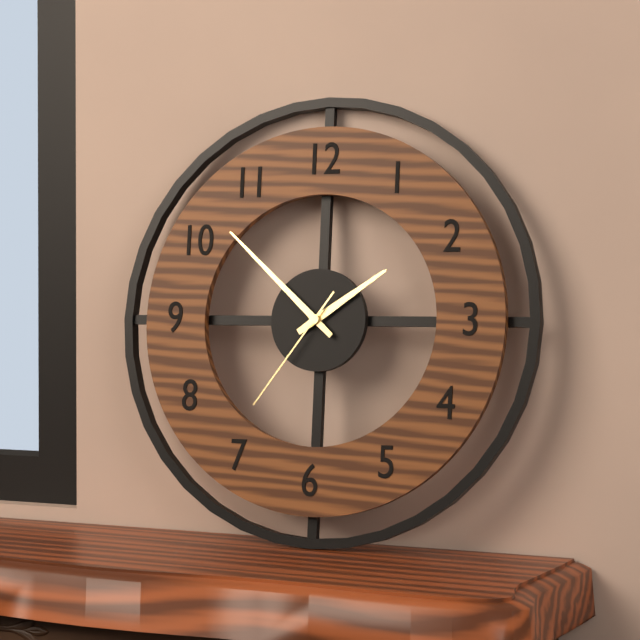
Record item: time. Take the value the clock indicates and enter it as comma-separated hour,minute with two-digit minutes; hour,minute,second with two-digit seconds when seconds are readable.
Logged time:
1,52,36
